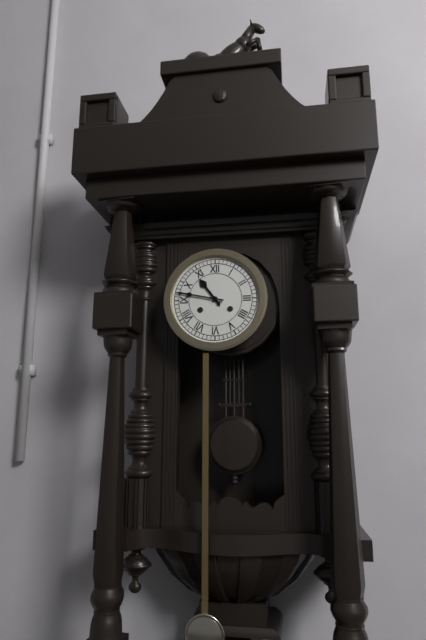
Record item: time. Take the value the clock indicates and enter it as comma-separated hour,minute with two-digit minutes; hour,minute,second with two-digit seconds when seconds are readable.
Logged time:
10,47
